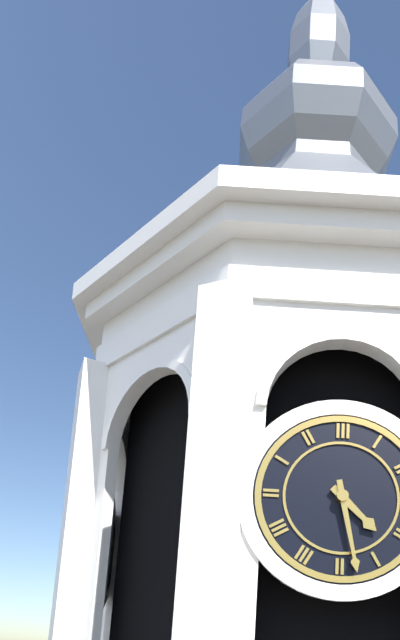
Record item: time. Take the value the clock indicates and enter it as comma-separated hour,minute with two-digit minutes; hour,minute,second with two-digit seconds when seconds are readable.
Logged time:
4,28
